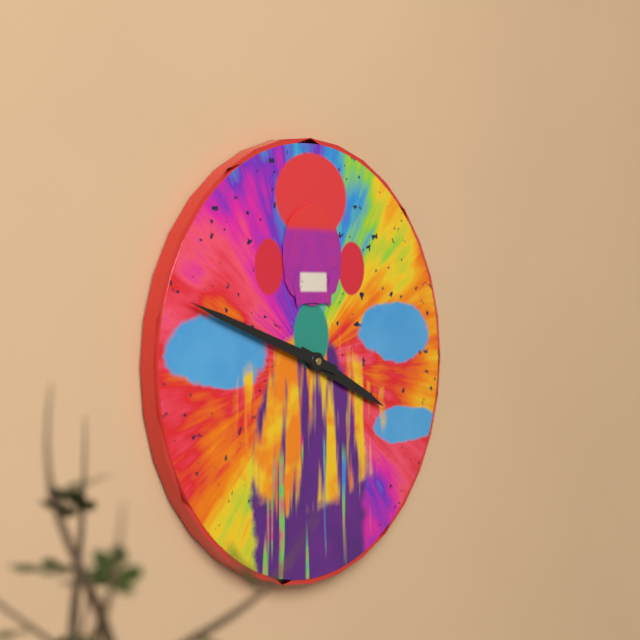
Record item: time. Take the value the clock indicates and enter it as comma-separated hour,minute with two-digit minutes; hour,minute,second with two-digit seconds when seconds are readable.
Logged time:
3,48
